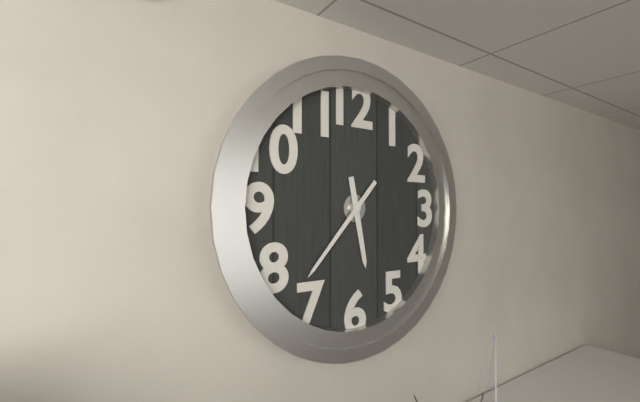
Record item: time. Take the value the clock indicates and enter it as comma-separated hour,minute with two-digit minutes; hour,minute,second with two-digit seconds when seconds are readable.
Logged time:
5,37
